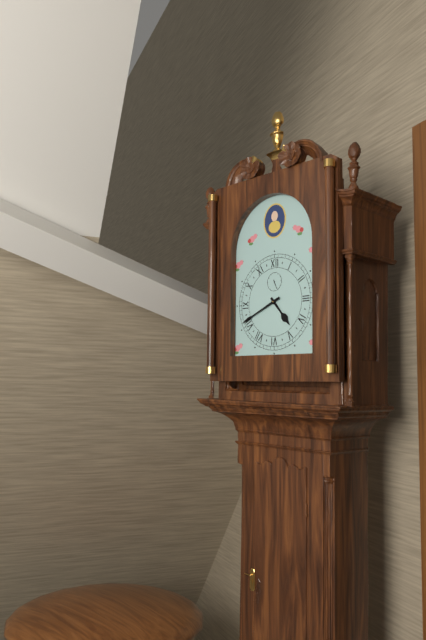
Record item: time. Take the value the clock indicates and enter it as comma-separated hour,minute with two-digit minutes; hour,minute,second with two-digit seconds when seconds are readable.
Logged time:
4,41
